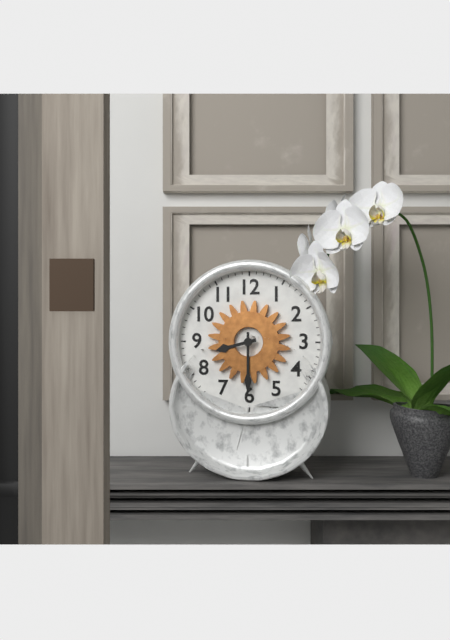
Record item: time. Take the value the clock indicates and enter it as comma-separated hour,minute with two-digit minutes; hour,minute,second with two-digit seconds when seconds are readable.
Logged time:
8,30
